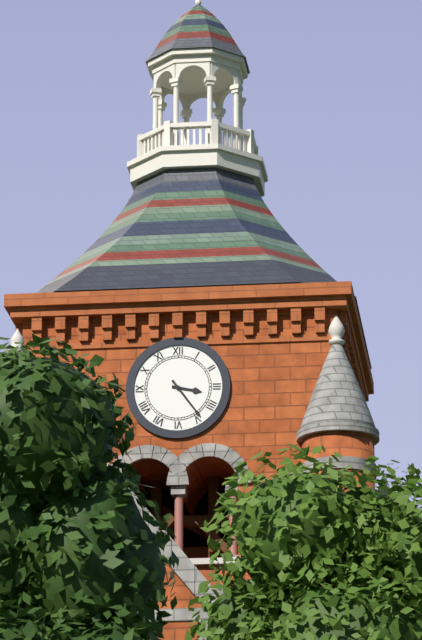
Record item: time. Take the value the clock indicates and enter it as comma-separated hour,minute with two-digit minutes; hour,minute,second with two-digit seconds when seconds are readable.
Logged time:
3,24
